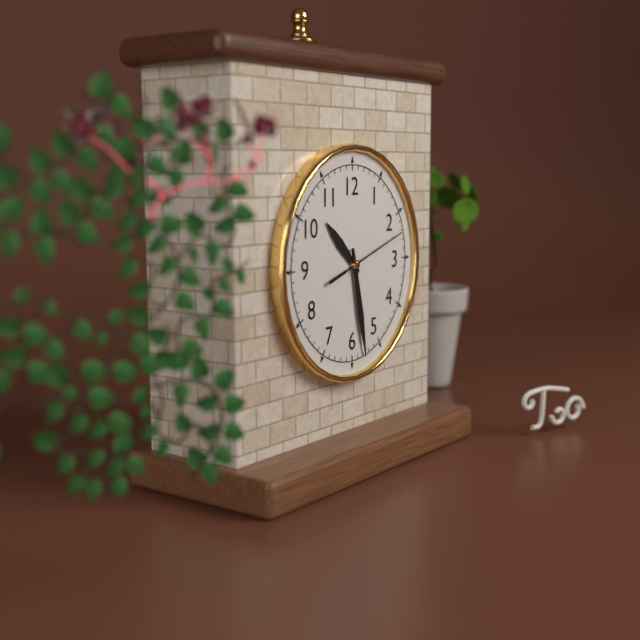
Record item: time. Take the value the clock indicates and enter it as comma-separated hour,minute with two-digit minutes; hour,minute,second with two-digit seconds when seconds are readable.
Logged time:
10,28,12
